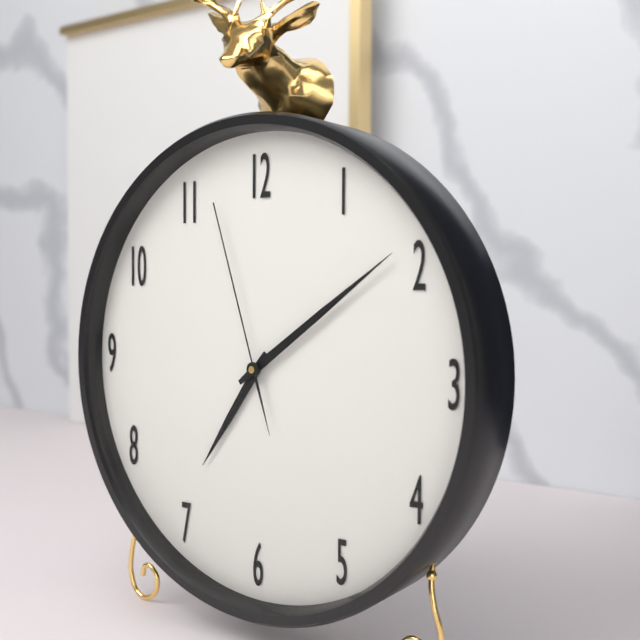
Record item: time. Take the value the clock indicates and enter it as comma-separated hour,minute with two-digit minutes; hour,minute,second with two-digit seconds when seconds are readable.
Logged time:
7,09,57
